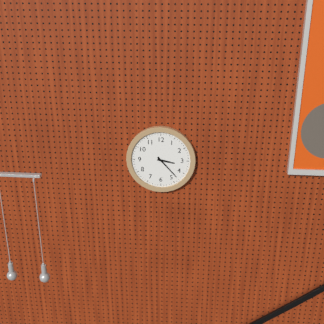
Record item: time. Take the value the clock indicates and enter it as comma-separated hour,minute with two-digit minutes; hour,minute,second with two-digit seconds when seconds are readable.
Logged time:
3,23
